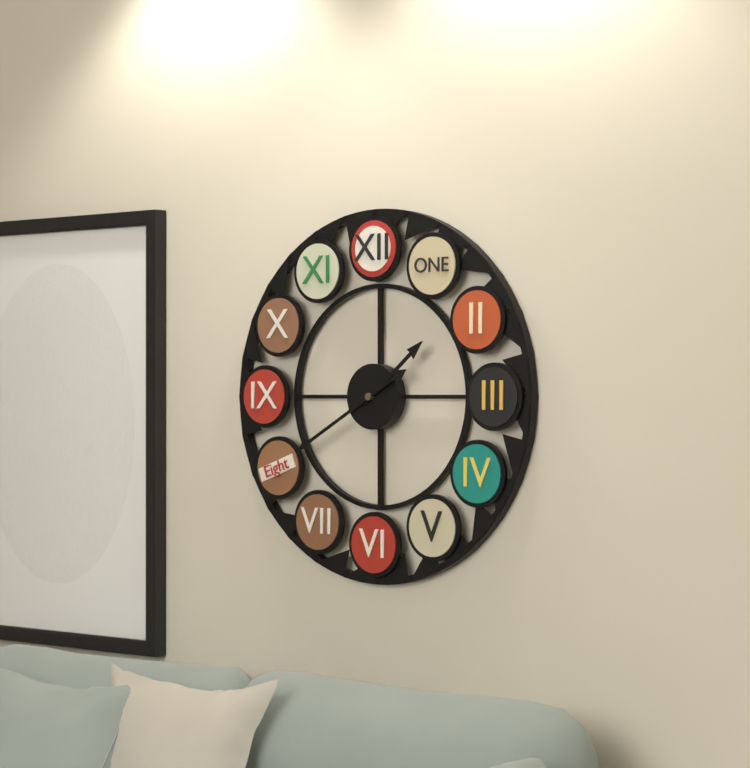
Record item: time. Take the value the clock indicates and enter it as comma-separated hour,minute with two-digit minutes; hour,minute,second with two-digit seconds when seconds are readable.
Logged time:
1,40
